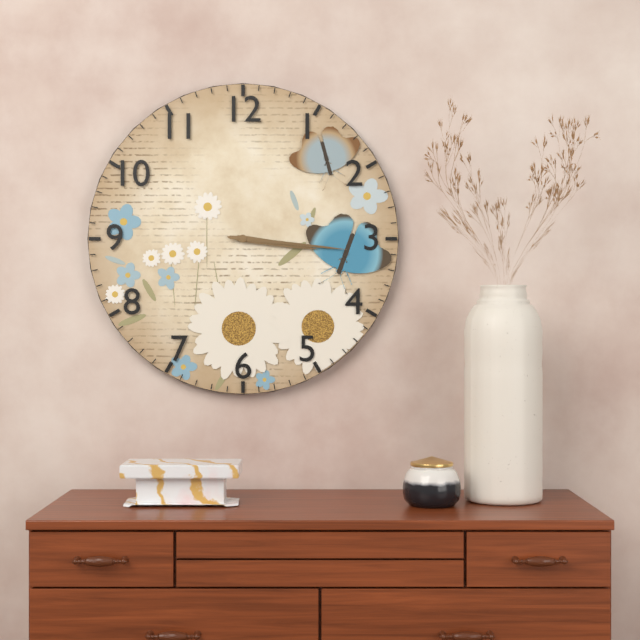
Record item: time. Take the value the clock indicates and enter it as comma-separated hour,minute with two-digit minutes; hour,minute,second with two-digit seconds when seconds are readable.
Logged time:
3,16
